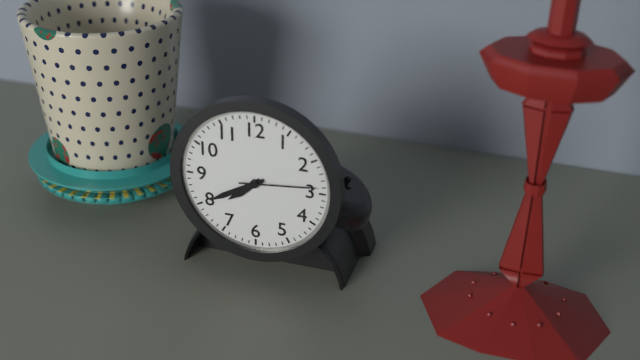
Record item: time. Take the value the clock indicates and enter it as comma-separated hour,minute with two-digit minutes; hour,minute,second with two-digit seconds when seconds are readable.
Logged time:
7,40,14
